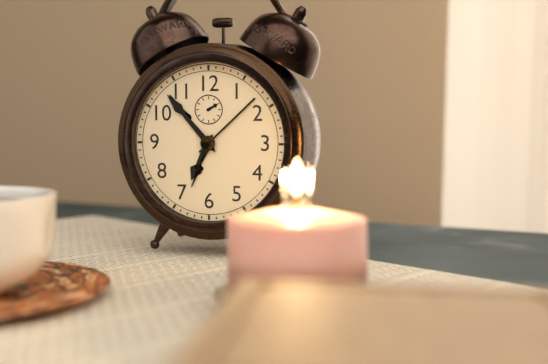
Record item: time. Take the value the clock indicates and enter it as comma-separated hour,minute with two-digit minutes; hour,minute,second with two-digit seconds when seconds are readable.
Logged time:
6,53
